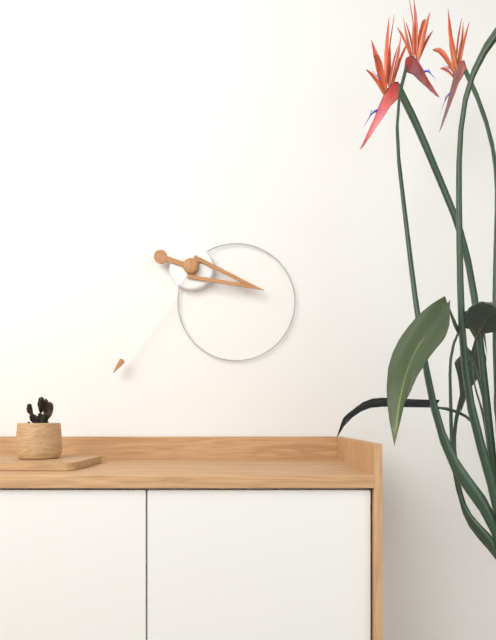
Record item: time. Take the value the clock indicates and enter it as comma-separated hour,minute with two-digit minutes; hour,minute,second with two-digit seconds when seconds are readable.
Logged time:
3,36
